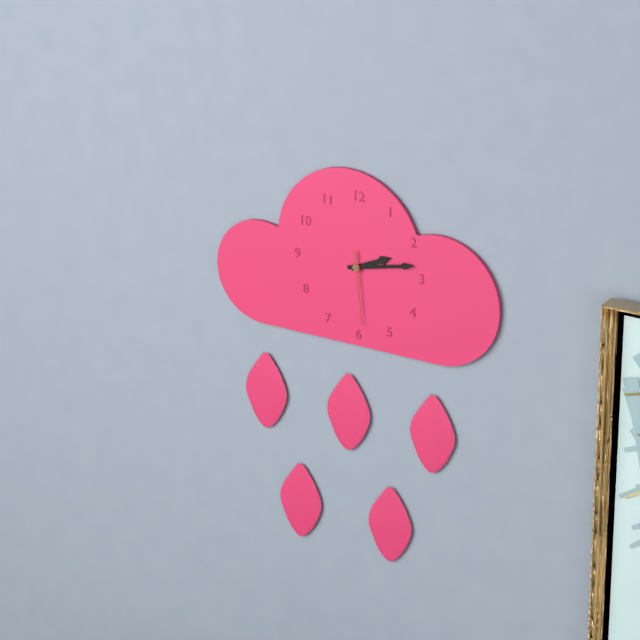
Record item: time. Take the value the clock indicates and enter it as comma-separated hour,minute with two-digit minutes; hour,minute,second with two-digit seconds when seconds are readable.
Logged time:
2,13,29
